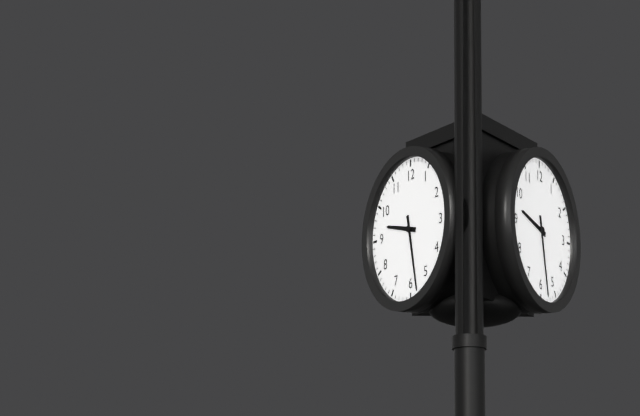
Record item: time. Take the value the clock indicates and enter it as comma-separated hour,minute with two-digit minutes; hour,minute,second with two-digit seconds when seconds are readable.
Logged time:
9,28
